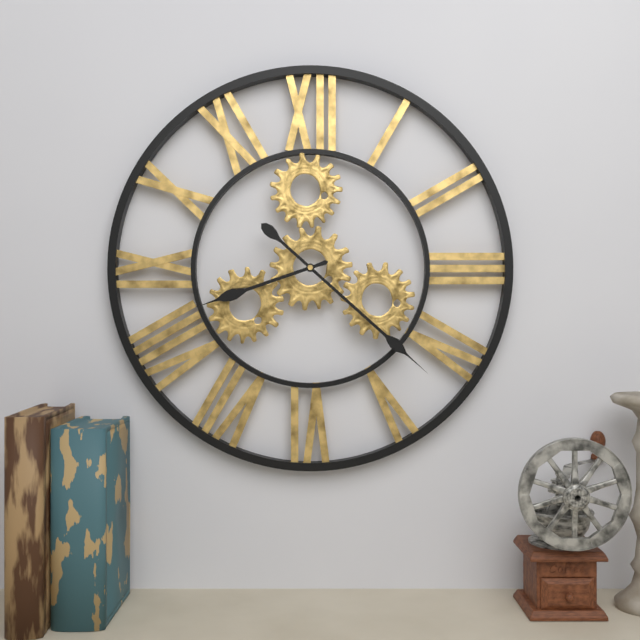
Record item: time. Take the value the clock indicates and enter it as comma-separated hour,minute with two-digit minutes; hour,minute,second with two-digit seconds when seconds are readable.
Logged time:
8,22
